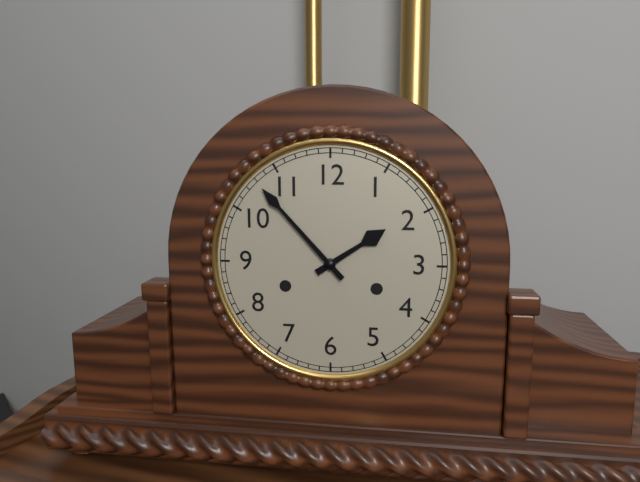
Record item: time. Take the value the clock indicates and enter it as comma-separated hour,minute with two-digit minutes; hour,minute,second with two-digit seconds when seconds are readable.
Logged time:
1,53
